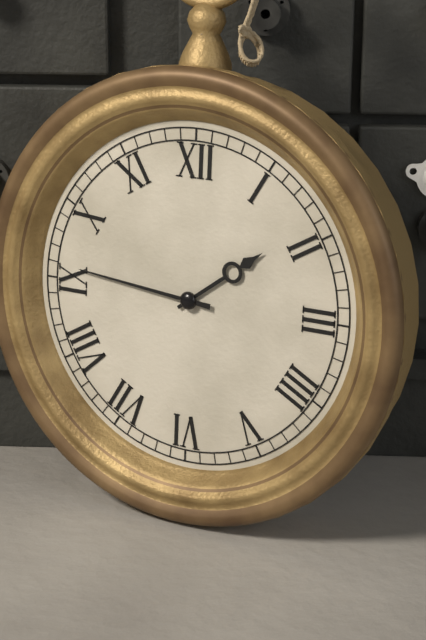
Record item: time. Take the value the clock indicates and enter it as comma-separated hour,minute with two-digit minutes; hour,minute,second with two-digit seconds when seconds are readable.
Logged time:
1,46
